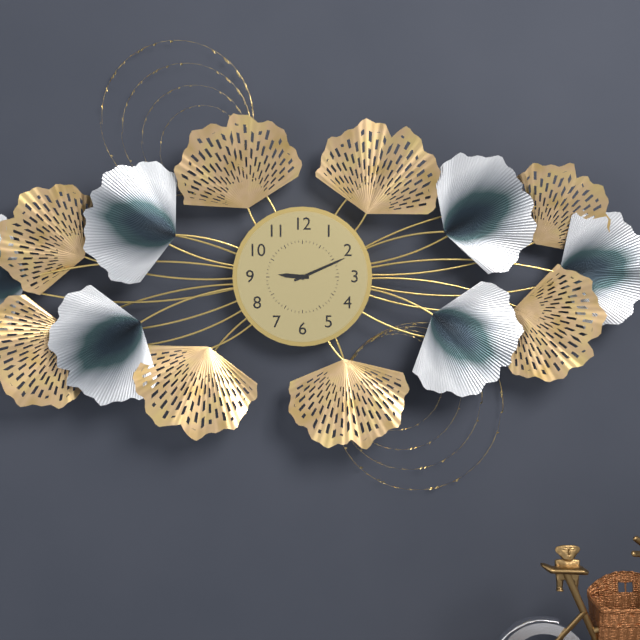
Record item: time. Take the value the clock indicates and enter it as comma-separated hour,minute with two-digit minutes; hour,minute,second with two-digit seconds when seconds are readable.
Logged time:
9,11
